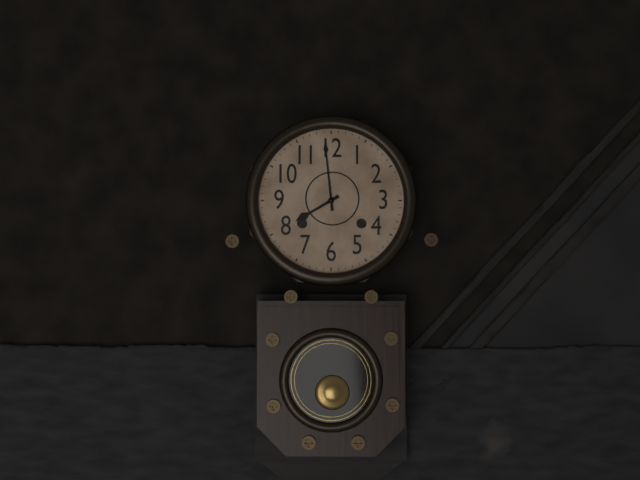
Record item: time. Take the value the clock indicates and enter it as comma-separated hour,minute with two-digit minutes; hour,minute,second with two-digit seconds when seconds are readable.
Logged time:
7,59
